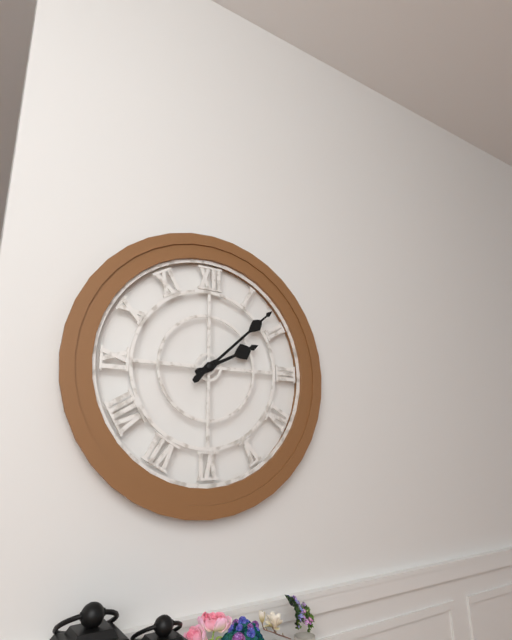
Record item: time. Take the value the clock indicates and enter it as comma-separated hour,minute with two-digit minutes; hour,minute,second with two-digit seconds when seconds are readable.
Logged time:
2,08
